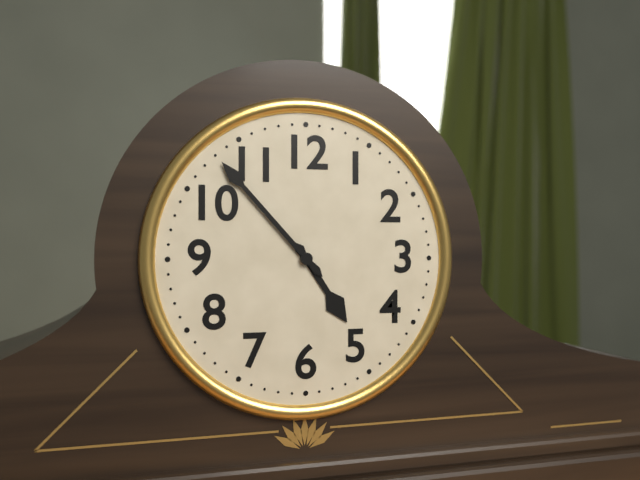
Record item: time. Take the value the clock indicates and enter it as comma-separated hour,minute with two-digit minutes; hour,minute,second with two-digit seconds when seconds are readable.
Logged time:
4,53
